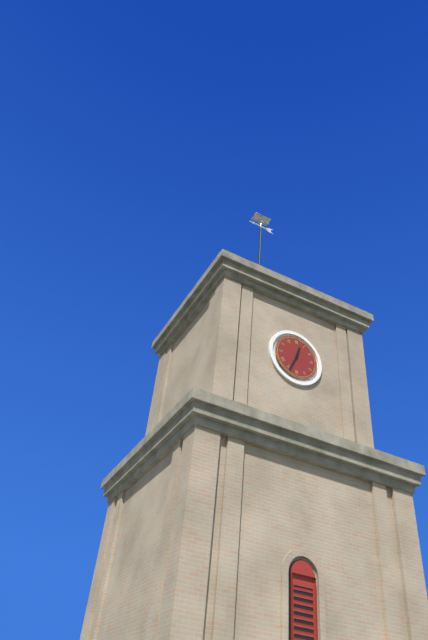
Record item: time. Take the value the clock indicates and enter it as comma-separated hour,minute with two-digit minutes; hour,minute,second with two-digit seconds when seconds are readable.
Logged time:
12,34
